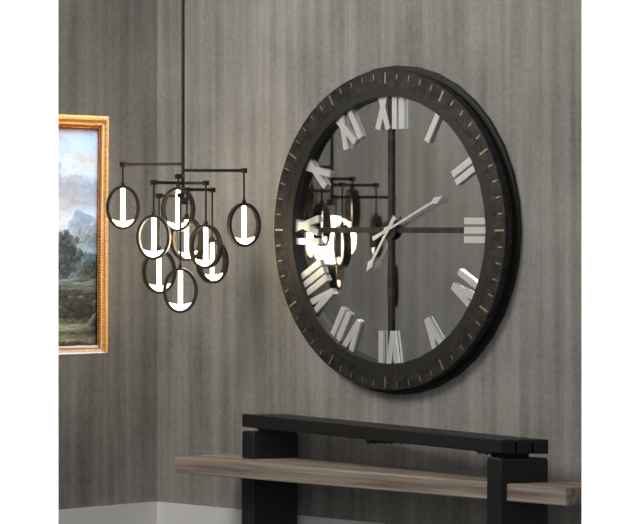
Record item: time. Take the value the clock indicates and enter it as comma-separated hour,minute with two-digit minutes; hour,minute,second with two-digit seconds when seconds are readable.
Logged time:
7,11
